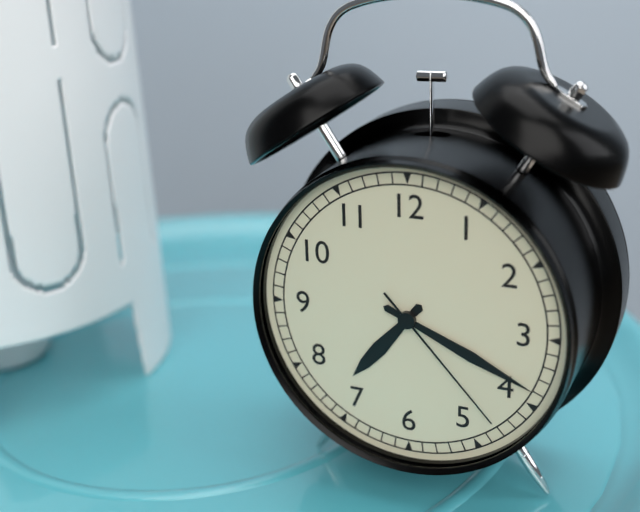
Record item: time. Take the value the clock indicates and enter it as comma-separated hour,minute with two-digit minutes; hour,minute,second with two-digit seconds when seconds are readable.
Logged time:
7,19,23
